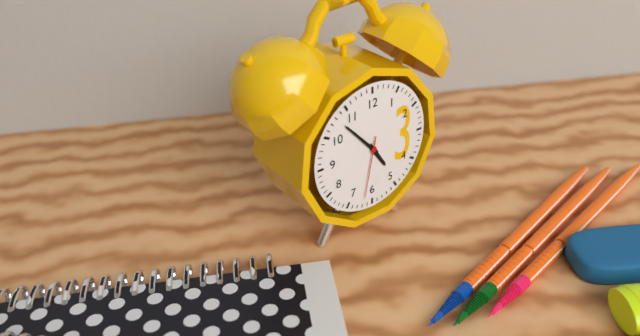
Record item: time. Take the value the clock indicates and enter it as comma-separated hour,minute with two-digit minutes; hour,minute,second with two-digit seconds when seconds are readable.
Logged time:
4,53,32
